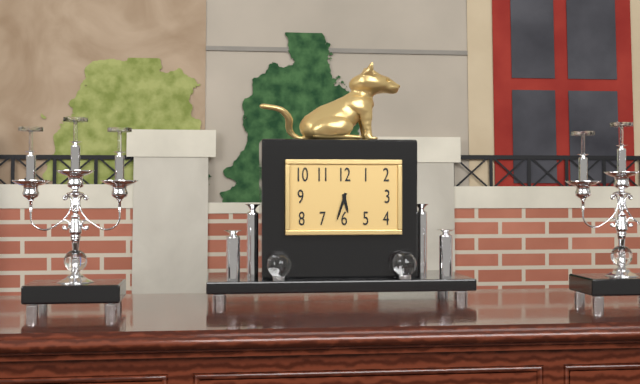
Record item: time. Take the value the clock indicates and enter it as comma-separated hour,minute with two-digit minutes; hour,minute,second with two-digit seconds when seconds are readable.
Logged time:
5,33
